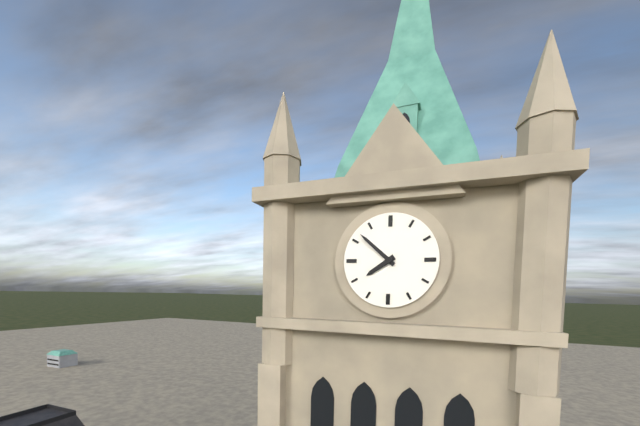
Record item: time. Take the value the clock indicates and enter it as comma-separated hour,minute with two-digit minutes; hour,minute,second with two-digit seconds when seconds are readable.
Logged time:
7,52
